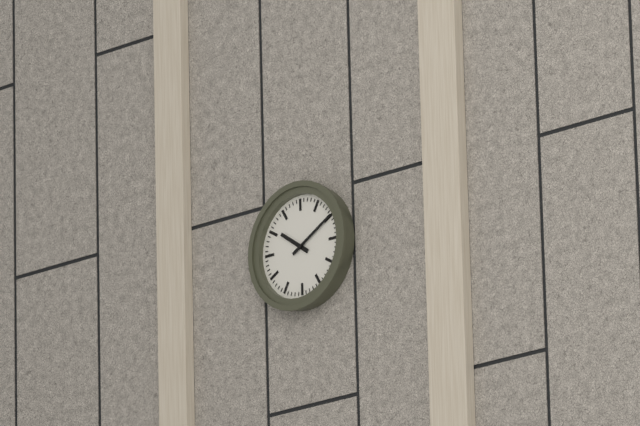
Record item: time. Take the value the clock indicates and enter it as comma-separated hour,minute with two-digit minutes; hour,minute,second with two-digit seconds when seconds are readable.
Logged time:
10,10
